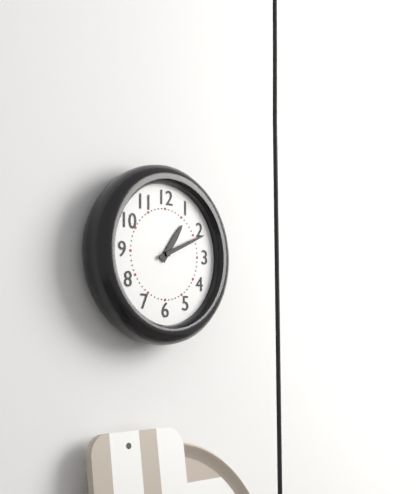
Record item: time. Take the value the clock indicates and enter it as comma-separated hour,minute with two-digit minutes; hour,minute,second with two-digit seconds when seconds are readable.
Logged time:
1,11
